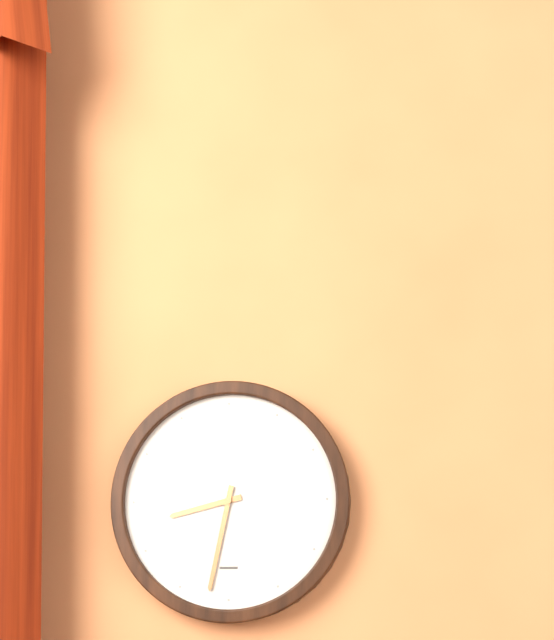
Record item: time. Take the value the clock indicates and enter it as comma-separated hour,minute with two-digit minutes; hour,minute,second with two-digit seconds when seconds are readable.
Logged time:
8,32
